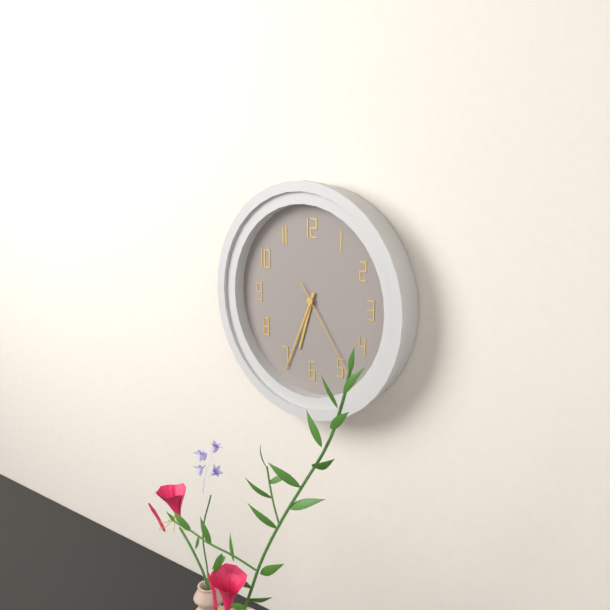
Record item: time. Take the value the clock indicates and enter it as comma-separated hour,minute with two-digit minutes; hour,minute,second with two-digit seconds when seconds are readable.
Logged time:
6,34,24
